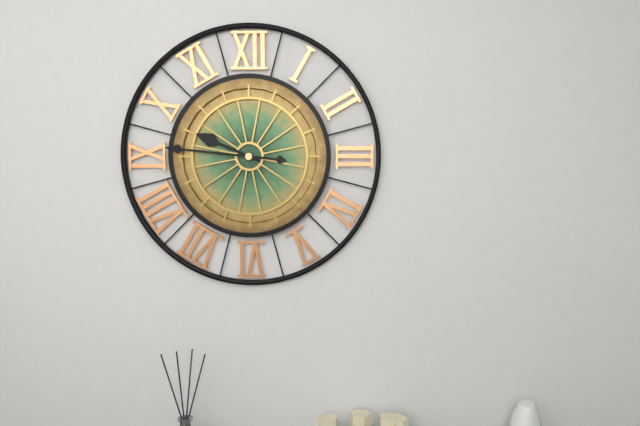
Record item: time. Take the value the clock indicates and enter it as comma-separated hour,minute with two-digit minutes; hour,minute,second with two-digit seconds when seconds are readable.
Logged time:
9,46
